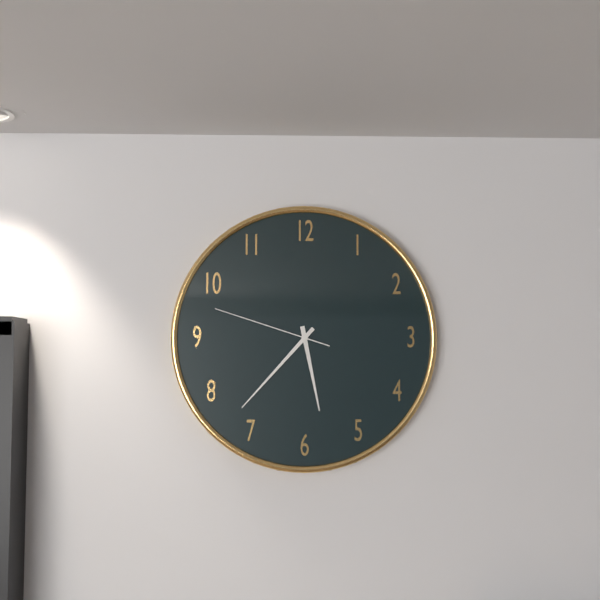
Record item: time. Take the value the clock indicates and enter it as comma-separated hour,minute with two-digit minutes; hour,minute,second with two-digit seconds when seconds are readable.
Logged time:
5,37,48
